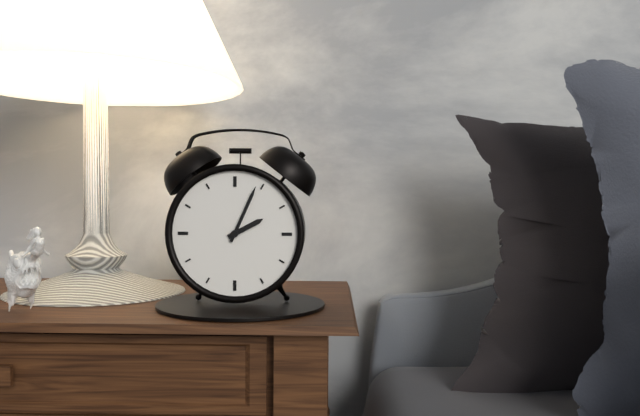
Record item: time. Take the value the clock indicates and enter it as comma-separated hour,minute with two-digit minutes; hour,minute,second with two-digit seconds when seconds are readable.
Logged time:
2,04
